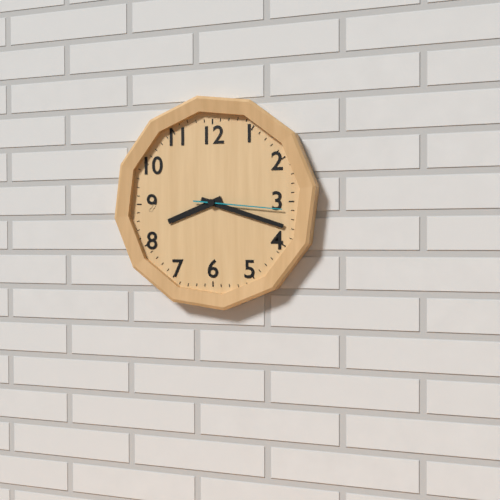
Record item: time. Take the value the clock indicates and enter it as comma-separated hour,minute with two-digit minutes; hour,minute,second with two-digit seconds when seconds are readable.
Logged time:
8,18,16
